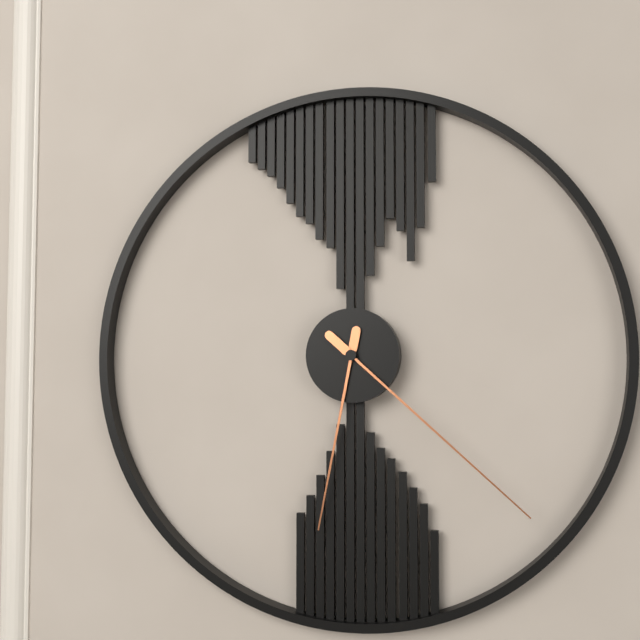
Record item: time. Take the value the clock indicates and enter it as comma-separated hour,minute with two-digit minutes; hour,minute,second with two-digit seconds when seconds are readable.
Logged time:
6,22
